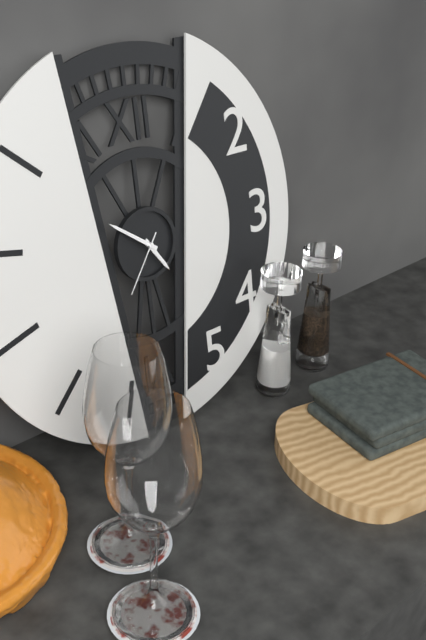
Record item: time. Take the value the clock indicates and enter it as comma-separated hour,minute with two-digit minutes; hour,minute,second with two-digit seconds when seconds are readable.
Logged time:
4,51,36
